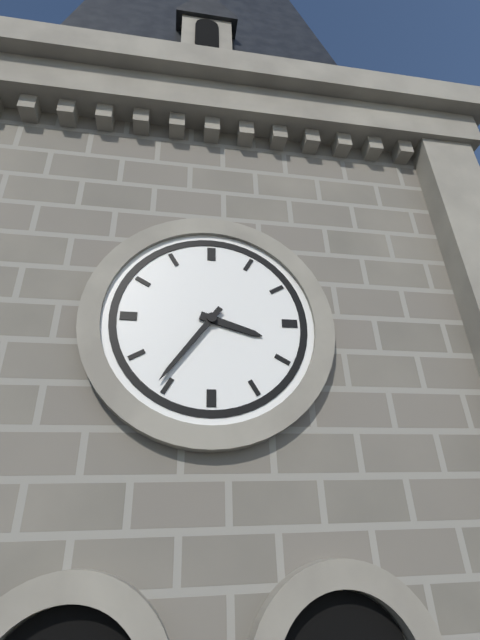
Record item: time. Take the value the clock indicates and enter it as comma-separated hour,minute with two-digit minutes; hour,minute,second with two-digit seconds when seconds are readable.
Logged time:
3,36
